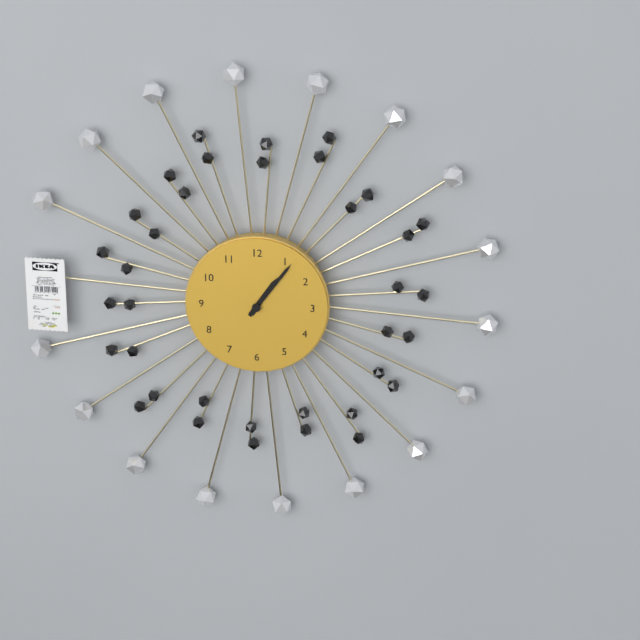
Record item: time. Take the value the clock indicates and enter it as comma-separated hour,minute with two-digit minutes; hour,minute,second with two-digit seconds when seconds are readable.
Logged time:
1,06
